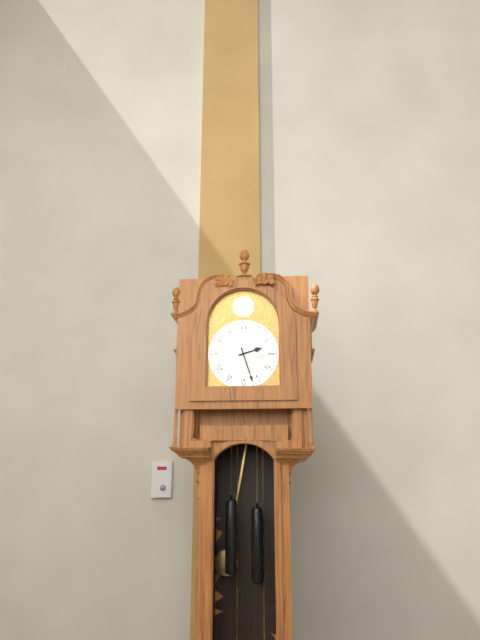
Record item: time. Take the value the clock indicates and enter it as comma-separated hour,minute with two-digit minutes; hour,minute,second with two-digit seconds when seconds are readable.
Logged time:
2,27
